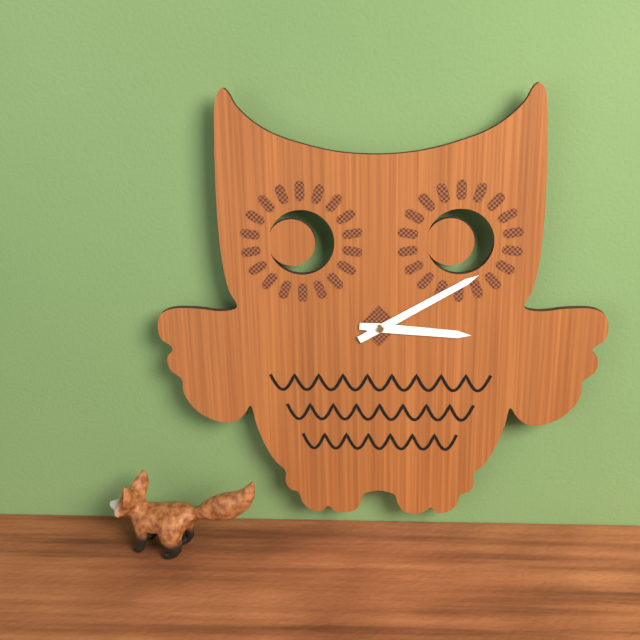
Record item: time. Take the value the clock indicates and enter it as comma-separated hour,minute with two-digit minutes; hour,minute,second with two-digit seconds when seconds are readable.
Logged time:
3,10
